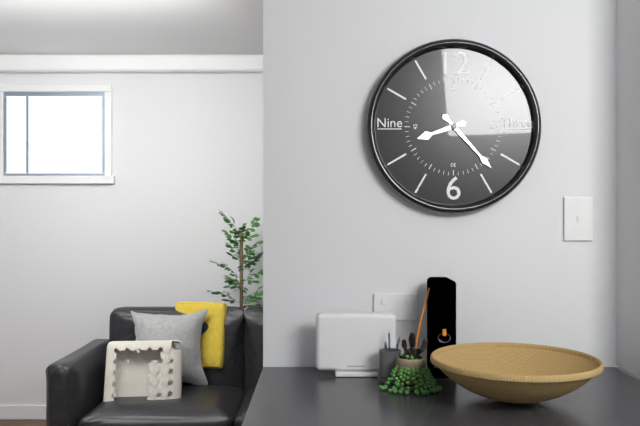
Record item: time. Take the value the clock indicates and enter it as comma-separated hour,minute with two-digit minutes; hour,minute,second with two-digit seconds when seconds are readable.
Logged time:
8,23
